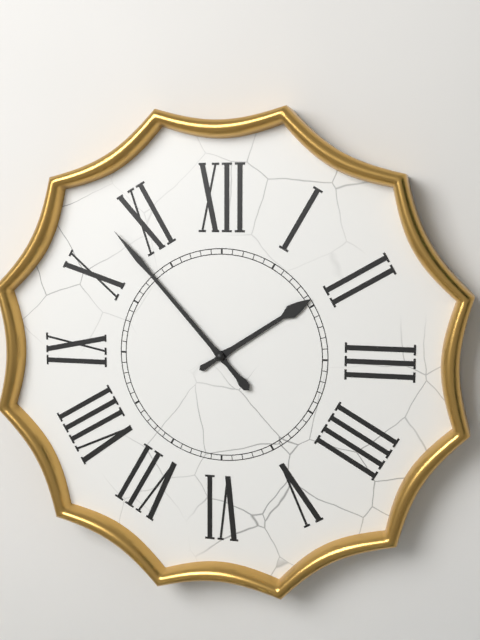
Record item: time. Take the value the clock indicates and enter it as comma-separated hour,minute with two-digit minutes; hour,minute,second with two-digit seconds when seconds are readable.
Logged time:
1,53
